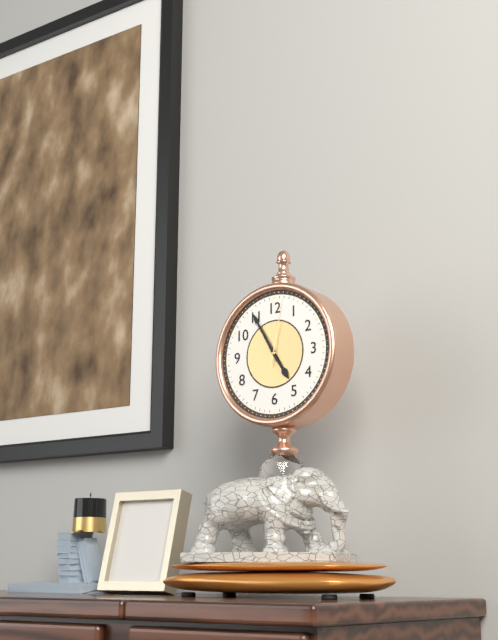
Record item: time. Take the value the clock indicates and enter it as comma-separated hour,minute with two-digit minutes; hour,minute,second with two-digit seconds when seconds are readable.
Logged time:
4,55,02
